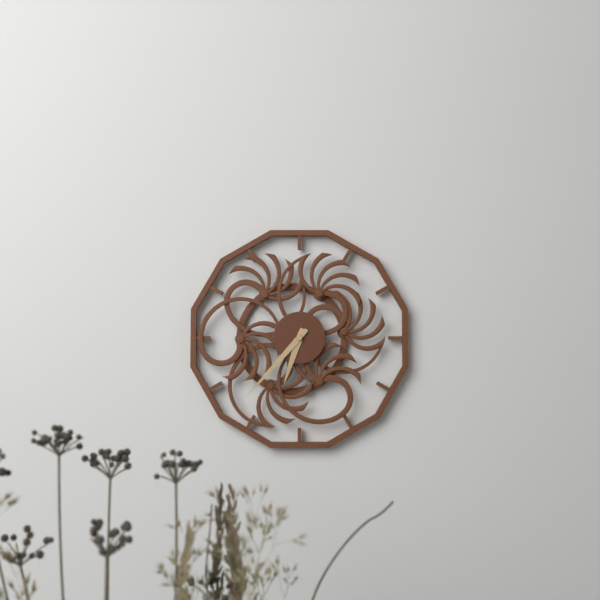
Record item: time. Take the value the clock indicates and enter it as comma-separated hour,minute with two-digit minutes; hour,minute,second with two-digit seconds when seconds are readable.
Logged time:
6,37
